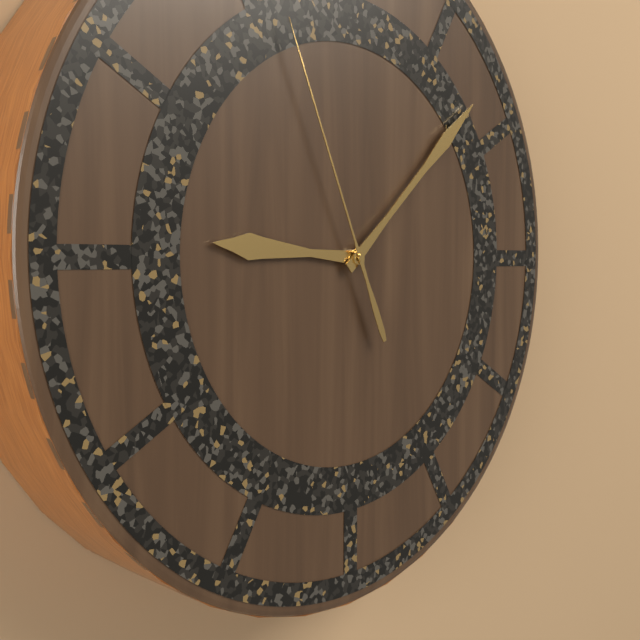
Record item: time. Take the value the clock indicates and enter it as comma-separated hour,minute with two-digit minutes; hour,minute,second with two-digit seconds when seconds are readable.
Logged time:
9,08,56
